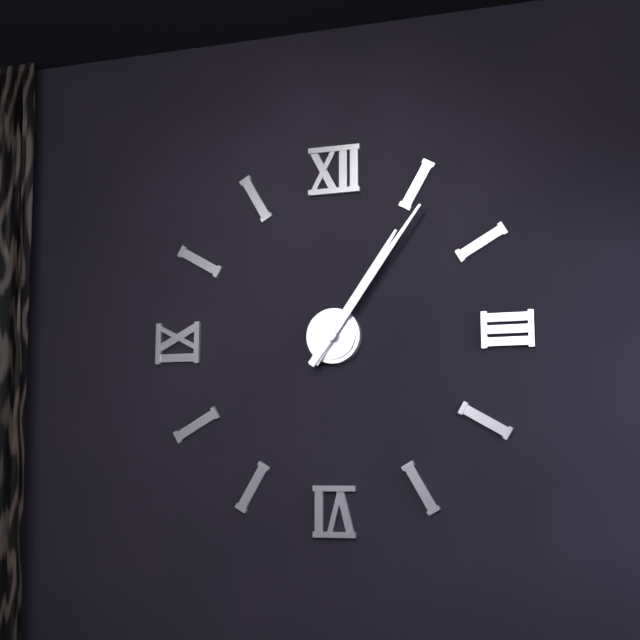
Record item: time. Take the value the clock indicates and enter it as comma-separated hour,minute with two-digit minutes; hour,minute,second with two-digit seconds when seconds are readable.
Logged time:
1,06
